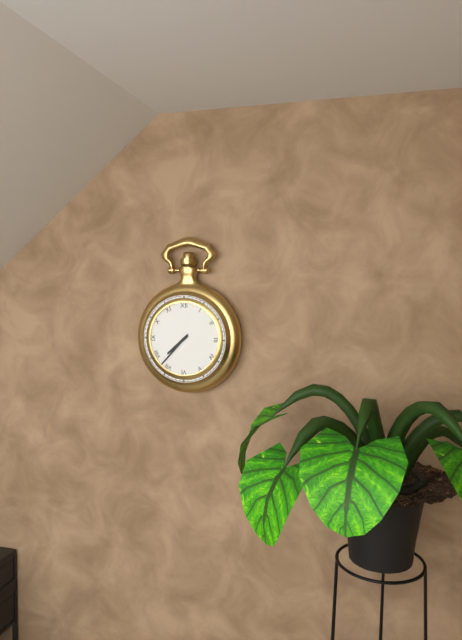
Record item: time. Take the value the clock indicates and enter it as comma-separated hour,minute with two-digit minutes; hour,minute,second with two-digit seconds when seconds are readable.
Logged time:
7,37
